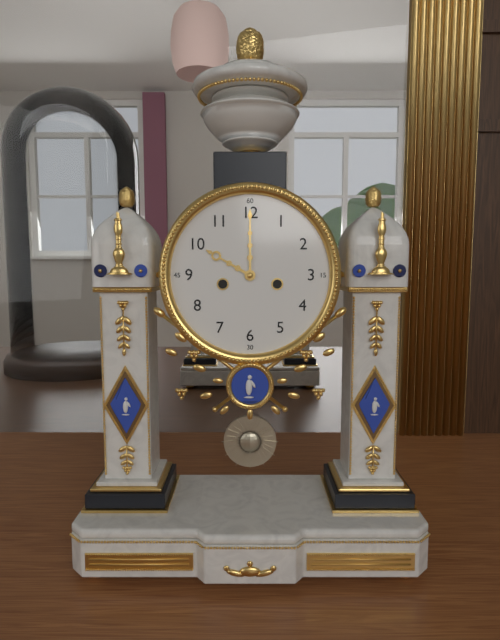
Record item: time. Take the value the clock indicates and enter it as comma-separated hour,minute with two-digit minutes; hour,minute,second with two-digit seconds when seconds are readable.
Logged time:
10,00
